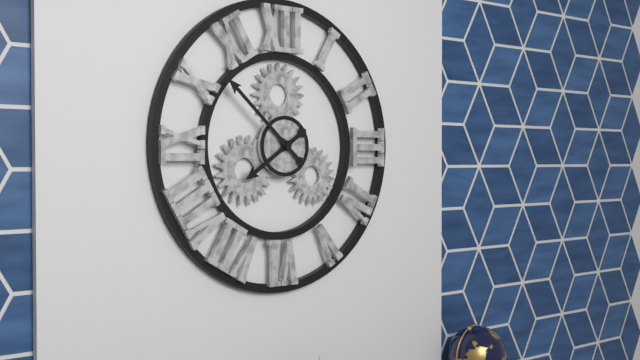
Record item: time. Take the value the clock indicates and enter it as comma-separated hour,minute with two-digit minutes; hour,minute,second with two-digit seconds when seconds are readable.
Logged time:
7,52
